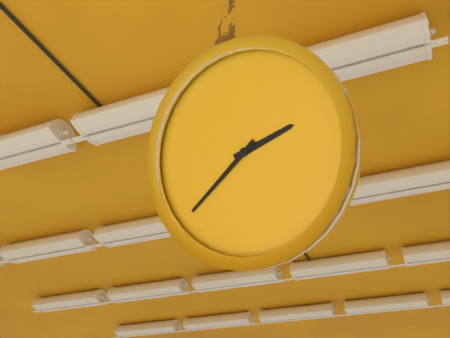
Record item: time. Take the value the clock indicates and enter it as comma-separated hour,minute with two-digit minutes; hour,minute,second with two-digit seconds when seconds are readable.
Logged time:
2,40
